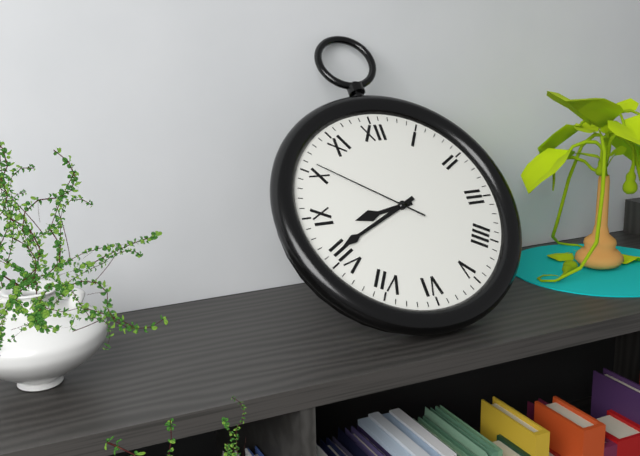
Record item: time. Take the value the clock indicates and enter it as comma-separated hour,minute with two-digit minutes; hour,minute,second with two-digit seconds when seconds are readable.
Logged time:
8,41,51
